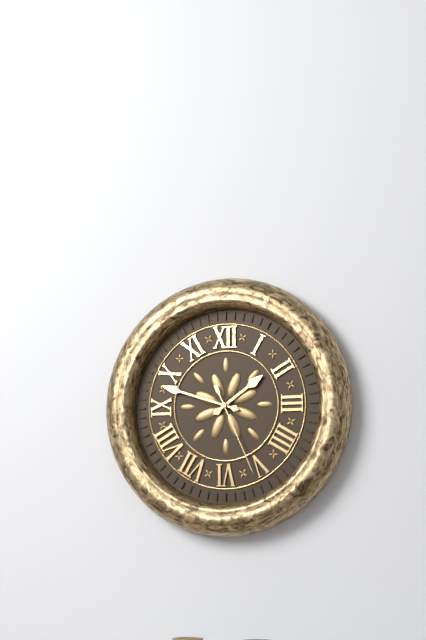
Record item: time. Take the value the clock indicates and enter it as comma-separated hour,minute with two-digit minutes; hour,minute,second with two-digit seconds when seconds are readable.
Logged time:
1,48,26
